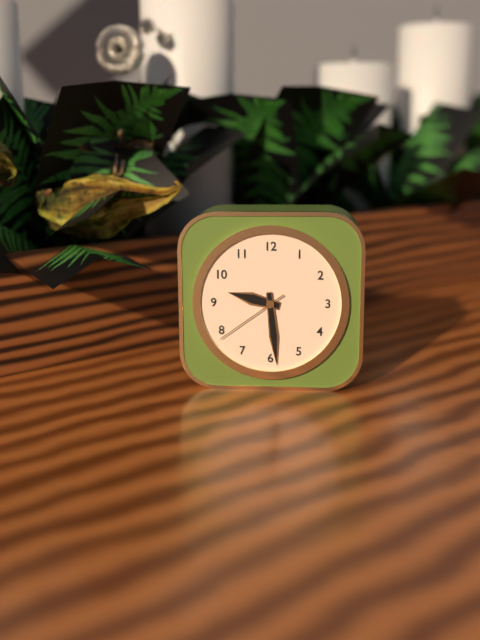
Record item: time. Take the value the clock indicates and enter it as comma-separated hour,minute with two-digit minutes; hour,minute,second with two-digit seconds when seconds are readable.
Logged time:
9,29,39
